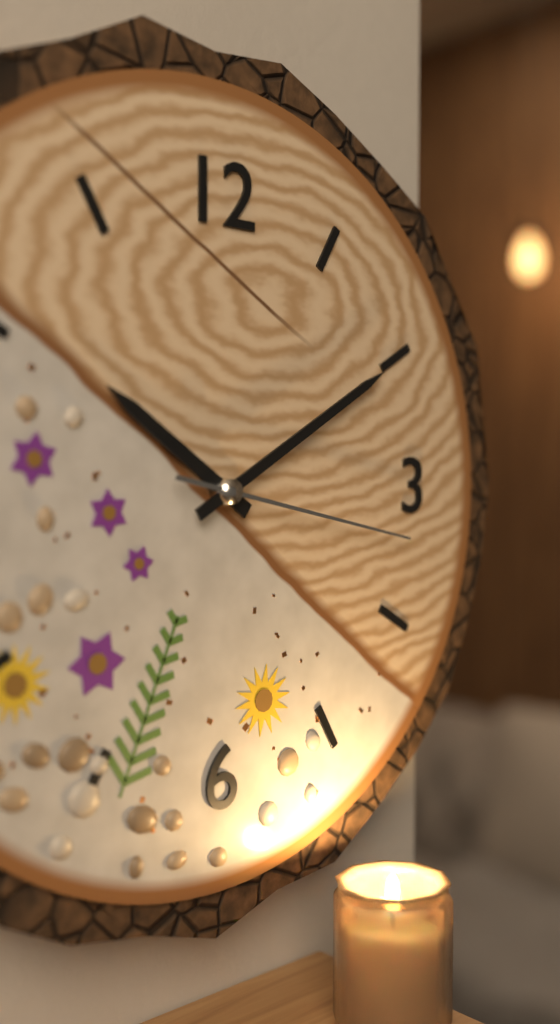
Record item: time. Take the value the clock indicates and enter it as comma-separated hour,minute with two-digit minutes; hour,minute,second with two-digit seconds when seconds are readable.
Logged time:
10,10,17
